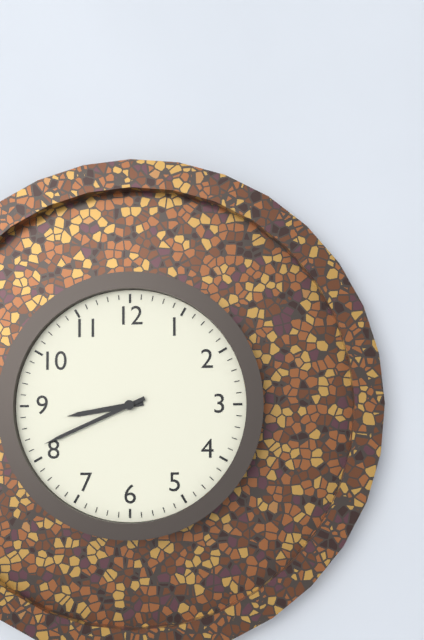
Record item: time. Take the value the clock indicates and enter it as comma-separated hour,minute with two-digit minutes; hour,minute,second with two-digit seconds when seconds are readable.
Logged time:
8,41
